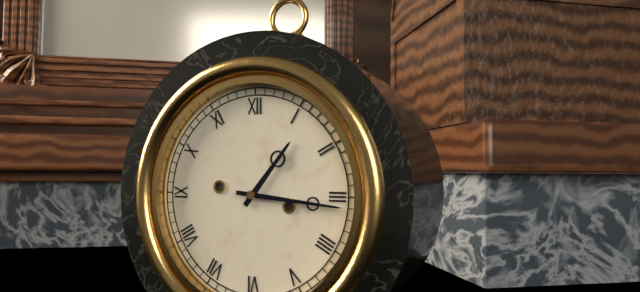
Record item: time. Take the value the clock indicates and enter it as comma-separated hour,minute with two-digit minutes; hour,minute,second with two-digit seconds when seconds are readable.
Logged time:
1,16
